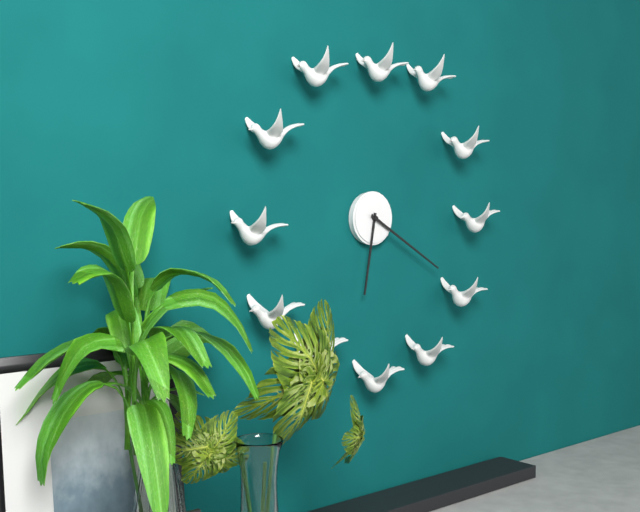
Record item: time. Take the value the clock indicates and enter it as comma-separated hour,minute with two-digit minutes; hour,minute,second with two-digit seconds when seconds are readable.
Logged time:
6,20
